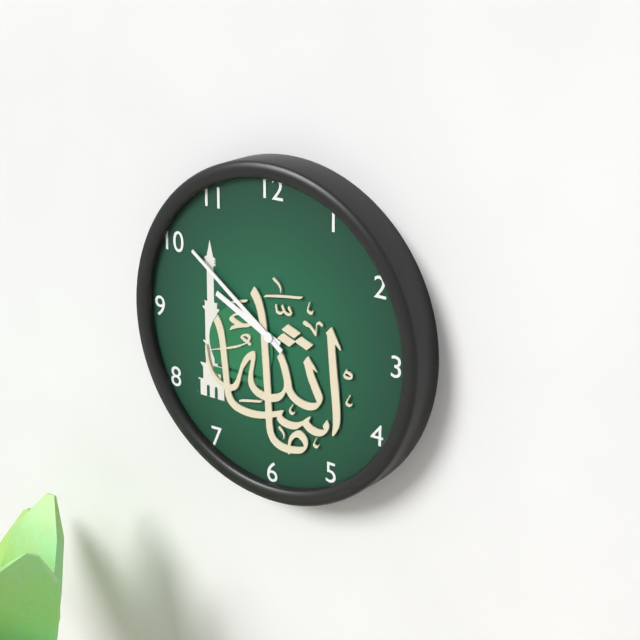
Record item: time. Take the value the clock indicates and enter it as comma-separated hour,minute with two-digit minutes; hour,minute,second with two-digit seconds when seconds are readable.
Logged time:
9,51
